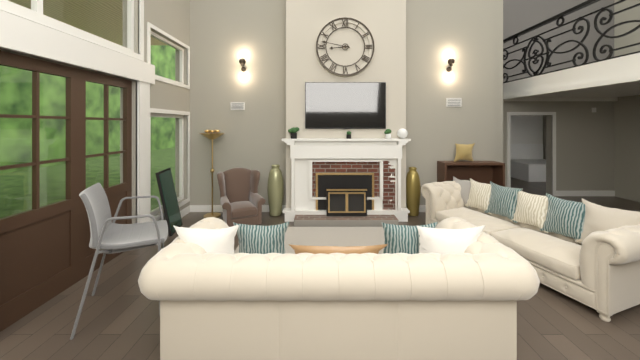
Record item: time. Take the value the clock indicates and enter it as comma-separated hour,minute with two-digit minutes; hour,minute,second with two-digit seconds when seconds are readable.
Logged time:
8,47
